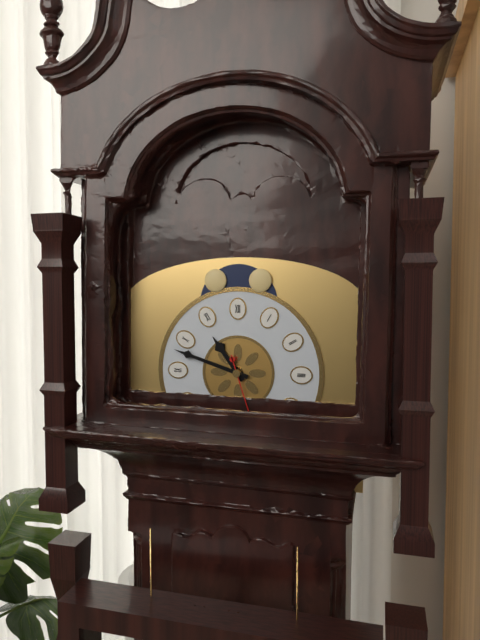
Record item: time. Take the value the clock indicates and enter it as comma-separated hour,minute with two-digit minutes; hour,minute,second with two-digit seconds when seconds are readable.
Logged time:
10,48
